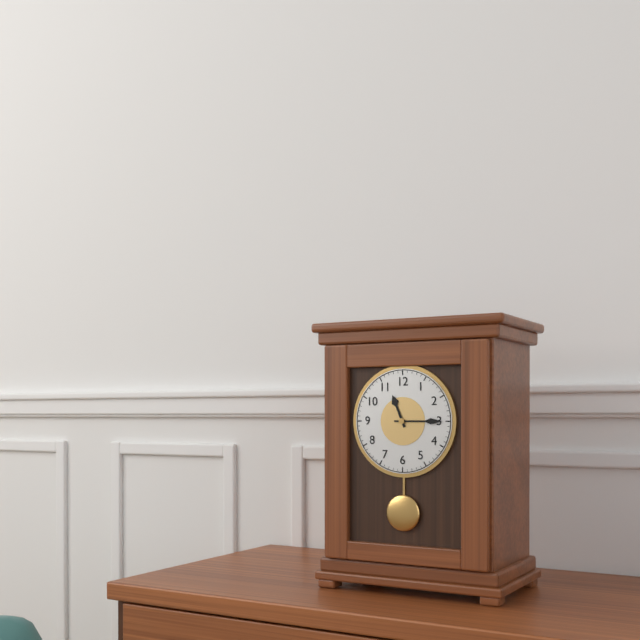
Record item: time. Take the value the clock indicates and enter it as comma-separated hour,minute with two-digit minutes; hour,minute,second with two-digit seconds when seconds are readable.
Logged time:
11,15
